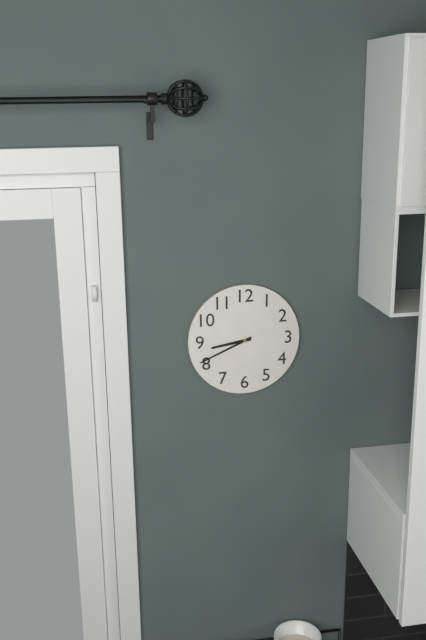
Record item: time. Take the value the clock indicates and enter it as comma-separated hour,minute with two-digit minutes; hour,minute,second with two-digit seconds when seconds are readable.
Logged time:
8,41
